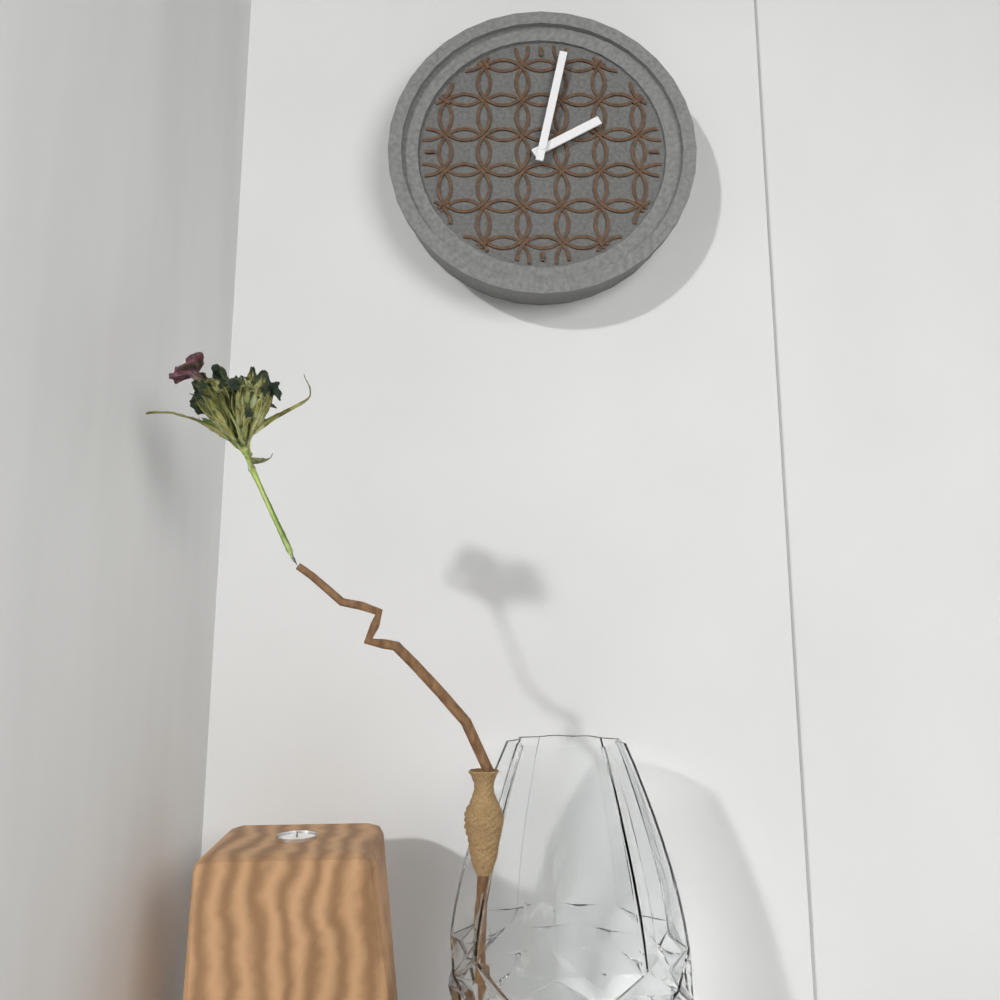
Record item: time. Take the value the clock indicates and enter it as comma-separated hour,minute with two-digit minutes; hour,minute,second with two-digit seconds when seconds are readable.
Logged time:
2,02
